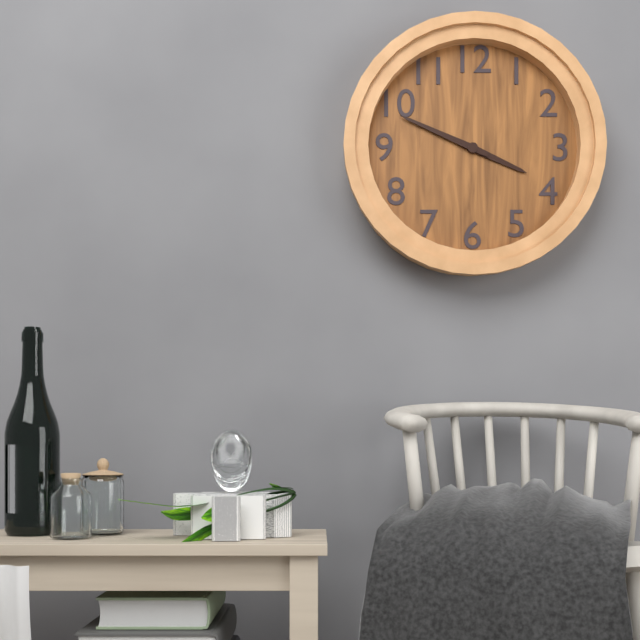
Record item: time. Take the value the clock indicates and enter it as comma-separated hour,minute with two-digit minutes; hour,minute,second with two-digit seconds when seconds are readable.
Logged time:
3,49
